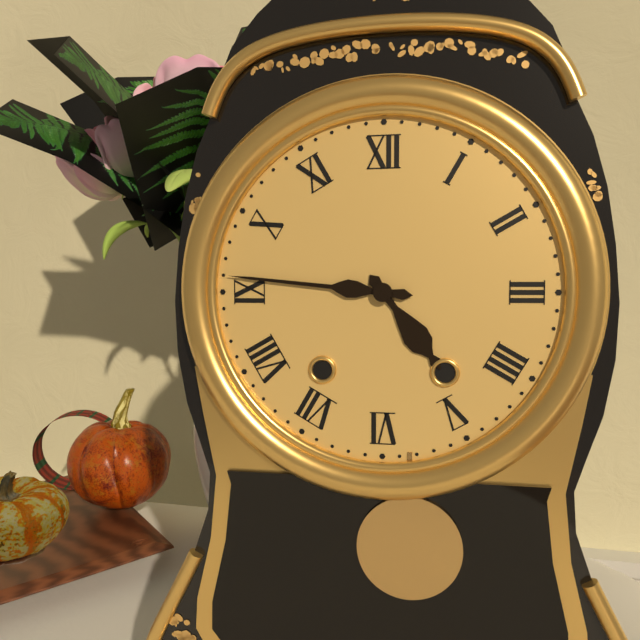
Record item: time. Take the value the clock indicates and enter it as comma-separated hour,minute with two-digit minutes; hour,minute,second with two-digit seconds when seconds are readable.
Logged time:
4,46
